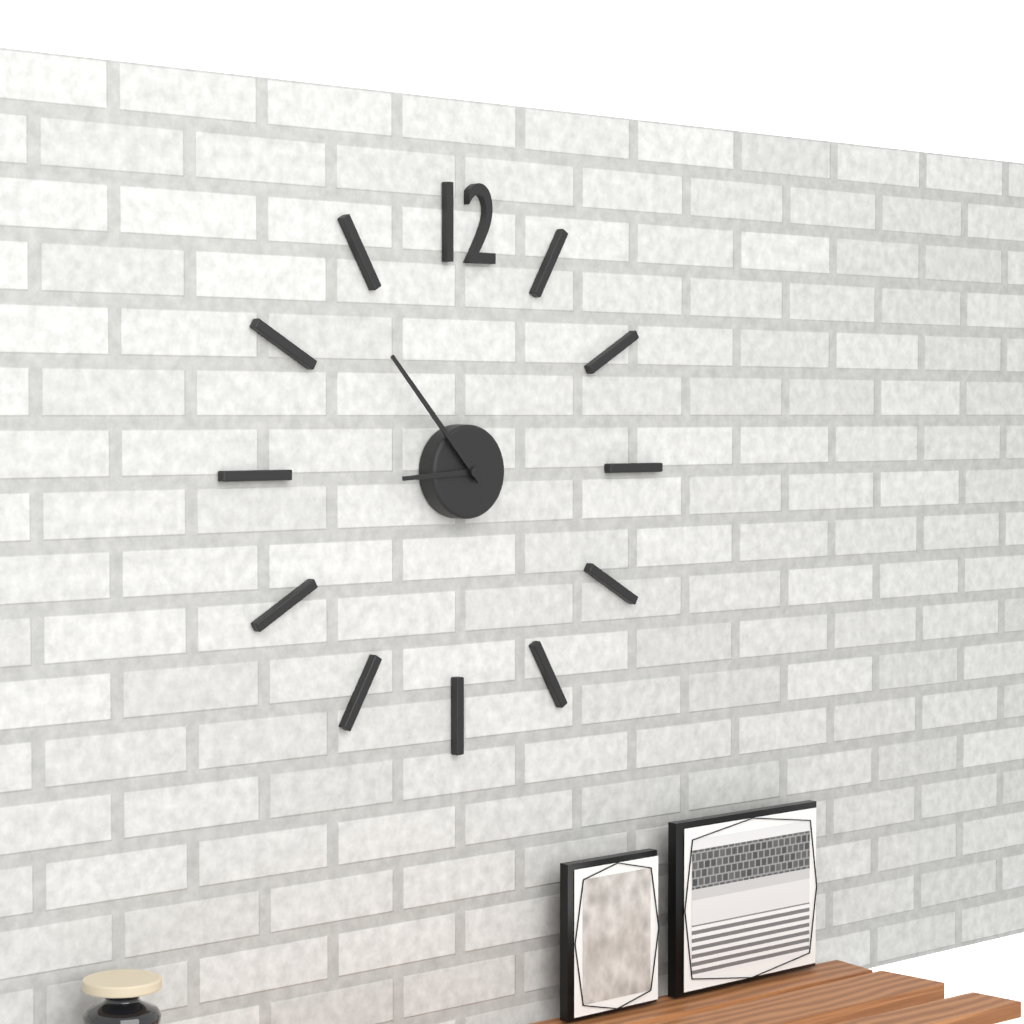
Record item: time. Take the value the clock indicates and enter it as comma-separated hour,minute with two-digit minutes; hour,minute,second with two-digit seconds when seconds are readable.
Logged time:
8,53
